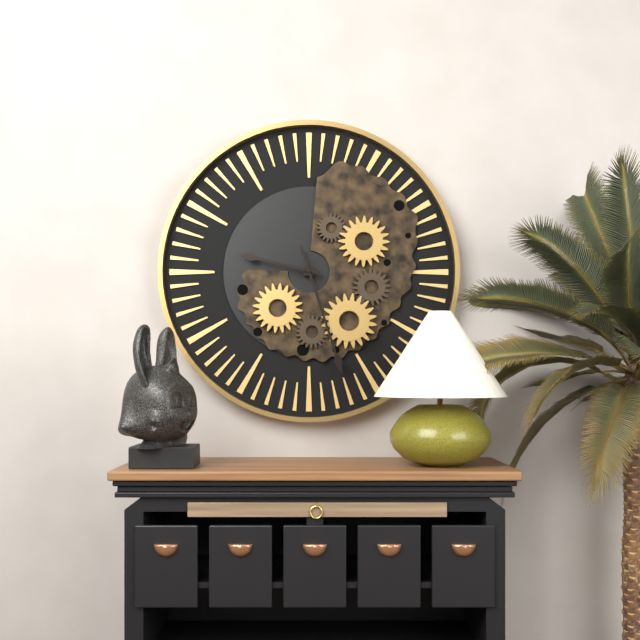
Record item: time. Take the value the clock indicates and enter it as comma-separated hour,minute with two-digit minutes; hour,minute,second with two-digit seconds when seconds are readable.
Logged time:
9,27
